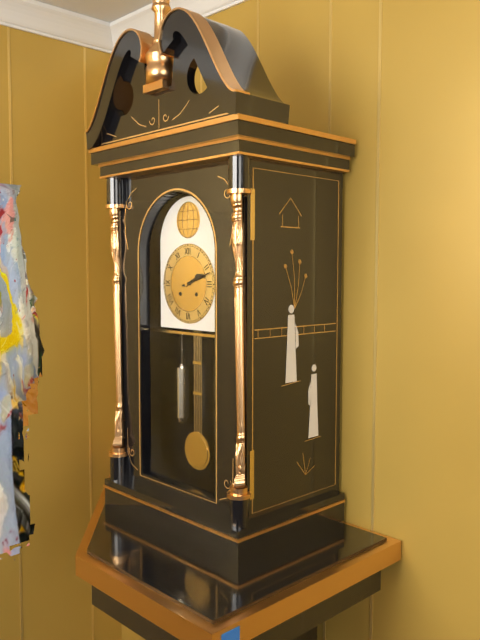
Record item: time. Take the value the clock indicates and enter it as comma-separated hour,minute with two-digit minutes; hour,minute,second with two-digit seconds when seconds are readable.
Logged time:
2,12
